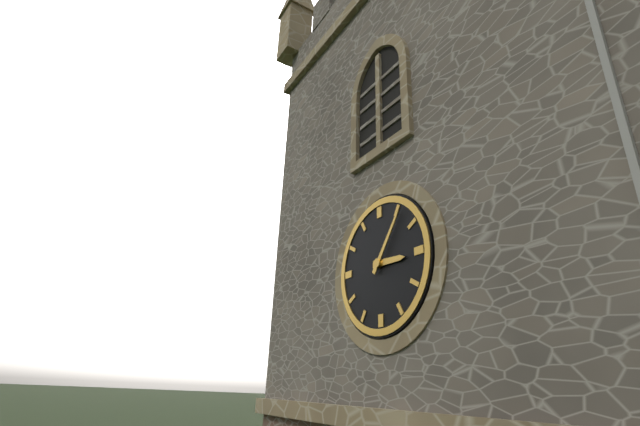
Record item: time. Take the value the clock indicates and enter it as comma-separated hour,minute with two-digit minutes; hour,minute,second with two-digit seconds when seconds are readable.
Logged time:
3,06
